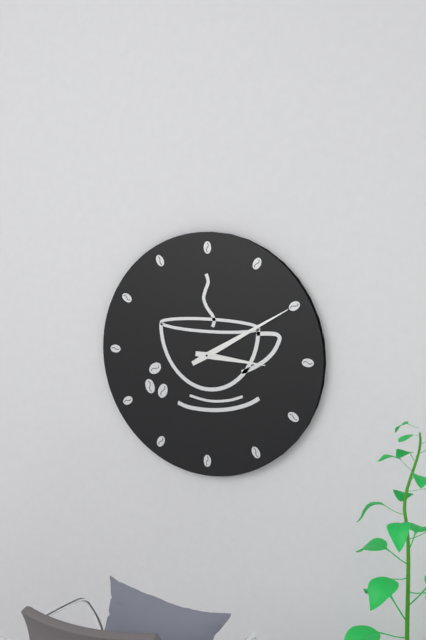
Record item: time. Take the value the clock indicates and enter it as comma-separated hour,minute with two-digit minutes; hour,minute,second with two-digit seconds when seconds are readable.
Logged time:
3,10
